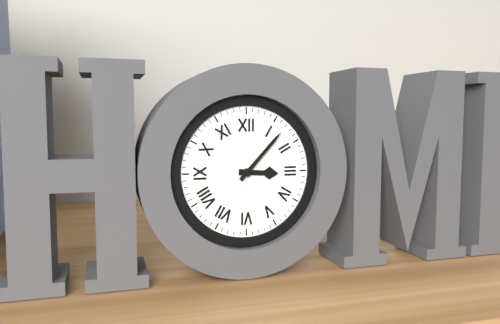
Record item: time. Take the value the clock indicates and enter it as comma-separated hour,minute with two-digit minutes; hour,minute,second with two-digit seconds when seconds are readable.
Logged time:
3,07
